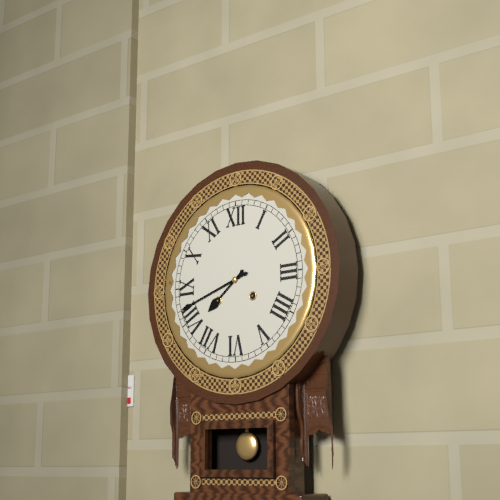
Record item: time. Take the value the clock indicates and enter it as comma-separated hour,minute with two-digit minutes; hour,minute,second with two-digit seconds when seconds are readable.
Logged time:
7,42
